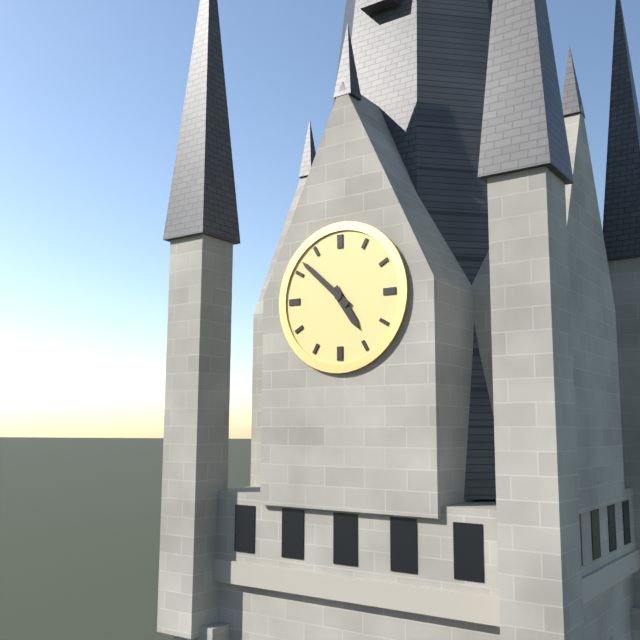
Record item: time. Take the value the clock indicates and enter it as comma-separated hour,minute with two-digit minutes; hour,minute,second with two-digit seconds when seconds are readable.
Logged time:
4,52
